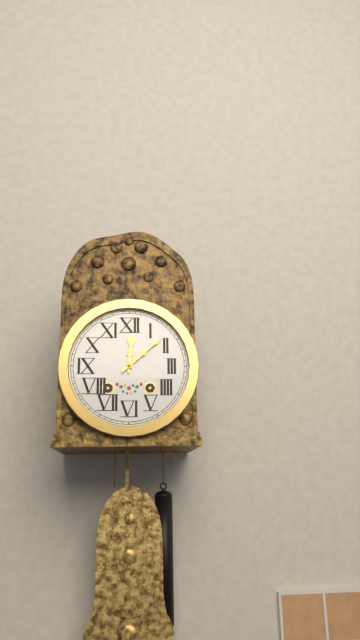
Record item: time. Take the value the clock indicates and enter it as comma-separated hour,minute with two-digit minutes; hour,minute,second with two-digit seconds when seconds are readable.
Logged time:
12,08
